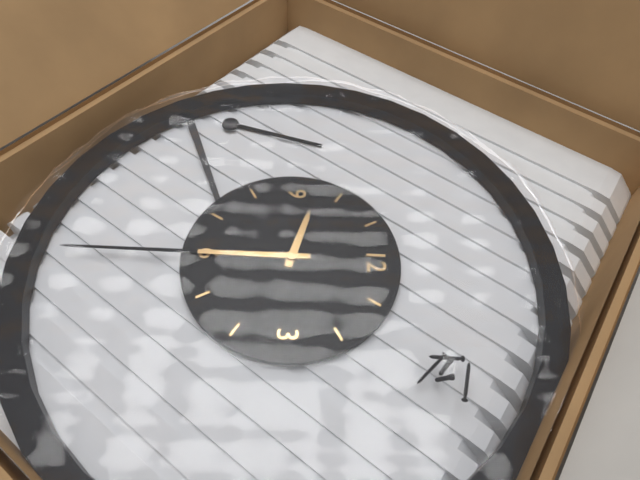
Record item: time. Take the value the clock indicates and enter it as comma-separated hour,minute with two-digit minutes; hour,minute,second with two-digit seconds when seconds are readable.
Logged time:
9,30
